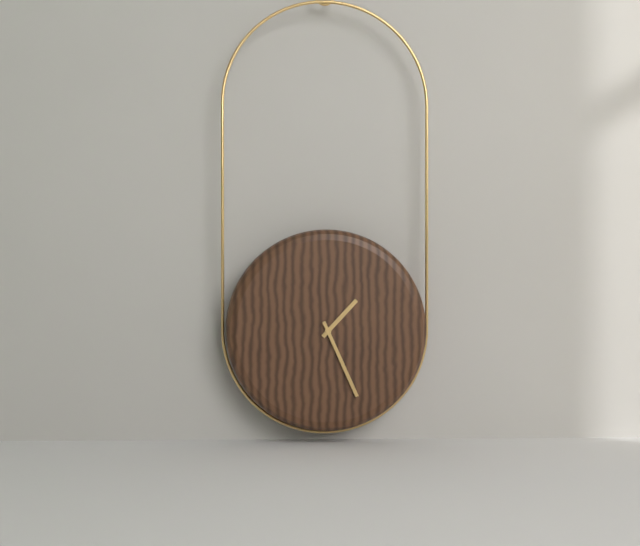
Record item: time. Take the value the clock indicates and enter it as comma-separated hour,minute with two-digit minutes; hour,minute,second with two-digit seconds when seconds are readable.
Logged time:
1,26
